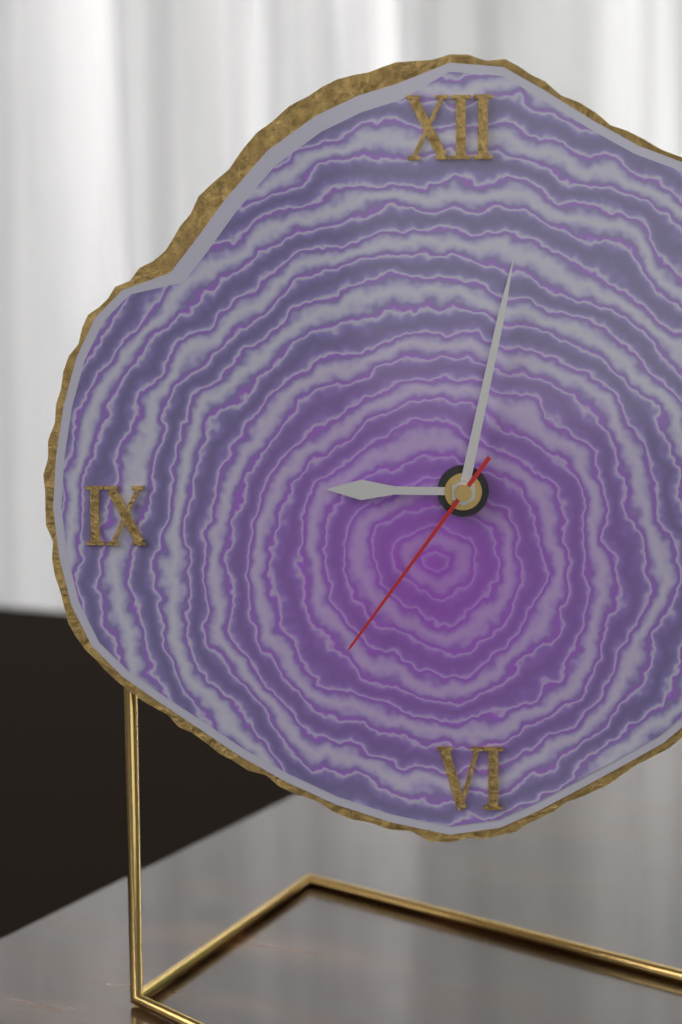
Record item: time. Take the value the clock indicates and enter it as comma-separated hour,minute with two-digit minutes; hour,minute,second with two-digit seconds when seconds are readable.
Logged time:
9,02,36
